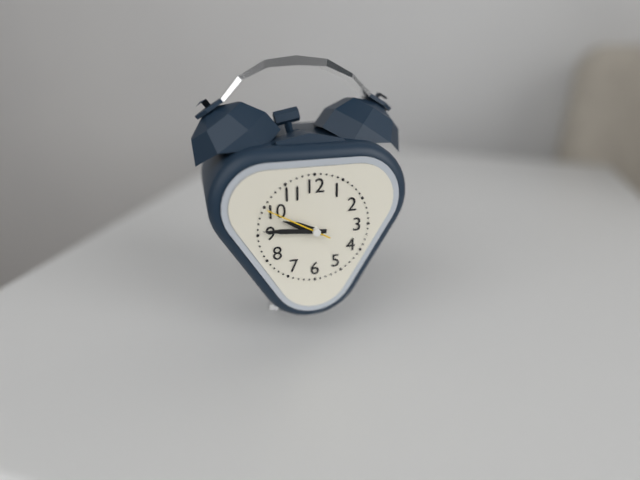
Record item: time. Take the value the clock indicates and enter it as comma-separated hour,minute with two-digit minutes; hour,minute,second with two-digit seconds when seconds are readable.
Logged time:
9,46,50
